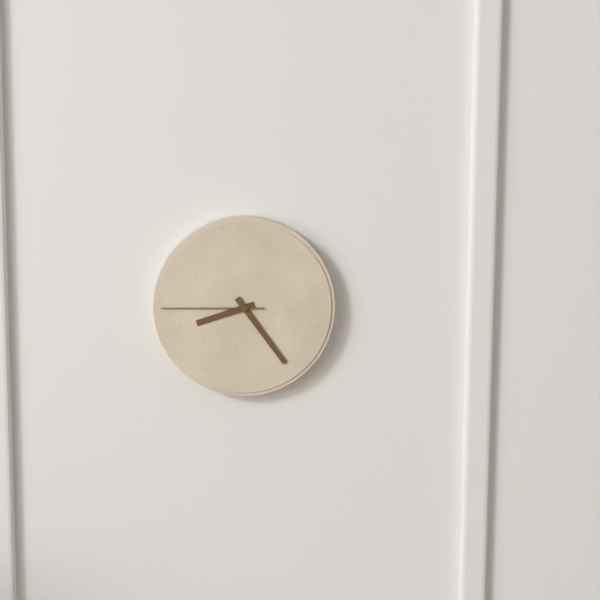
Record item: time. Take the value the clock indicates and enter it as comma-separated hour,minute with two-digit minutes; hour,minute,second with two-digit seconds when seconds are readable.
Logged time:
8,24,45
